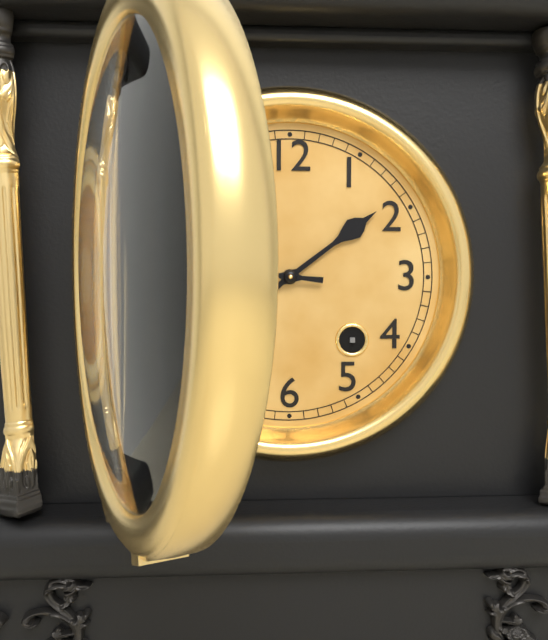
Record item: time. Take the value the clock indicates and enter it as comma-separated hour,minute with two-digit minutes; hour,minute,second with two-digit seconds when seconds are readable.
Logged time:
1,46
